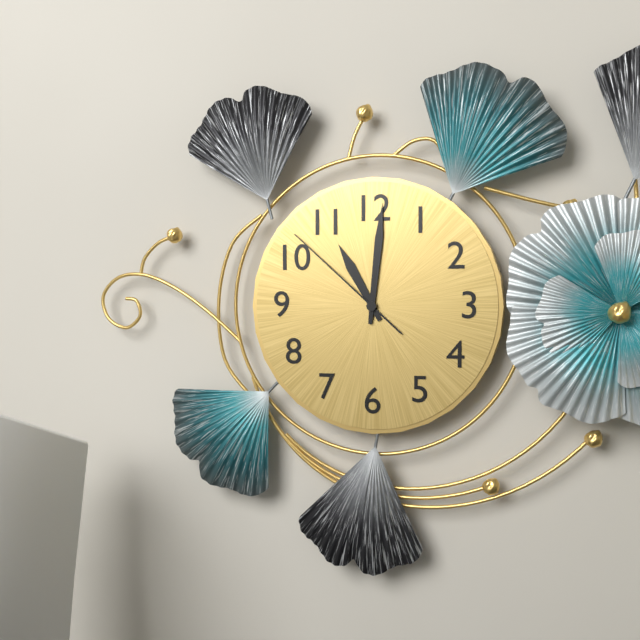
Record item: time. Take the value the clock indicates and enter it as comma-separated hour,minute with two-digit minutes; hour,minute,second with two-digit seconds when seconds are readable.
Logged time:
11,01,52
